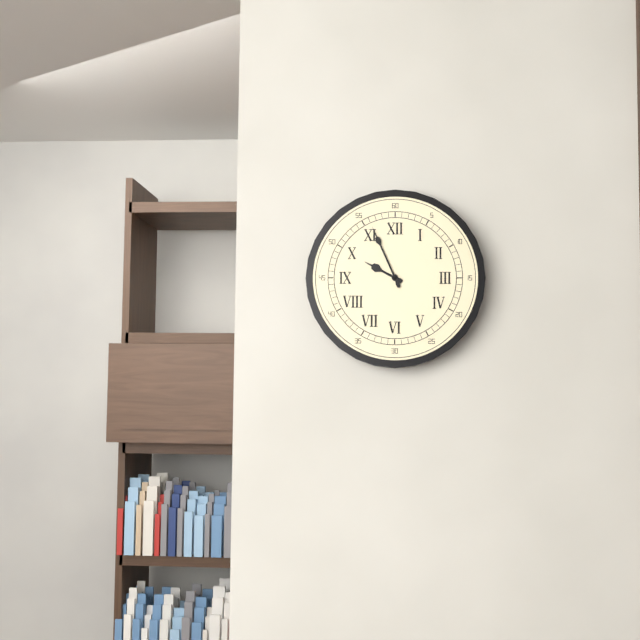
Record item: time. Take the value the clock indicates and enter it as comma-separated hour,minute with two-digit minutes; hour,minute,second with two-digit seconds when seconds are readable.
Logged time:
9,56
